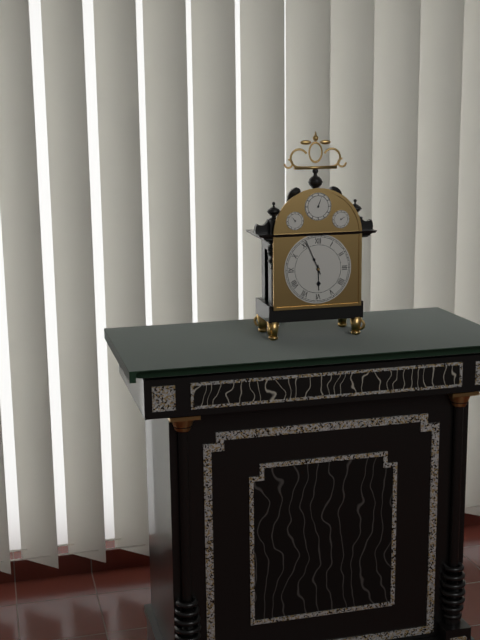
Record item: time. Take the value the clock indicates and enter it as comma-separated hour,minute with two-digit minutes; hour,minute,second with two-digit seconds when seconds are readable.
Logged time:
5,56
